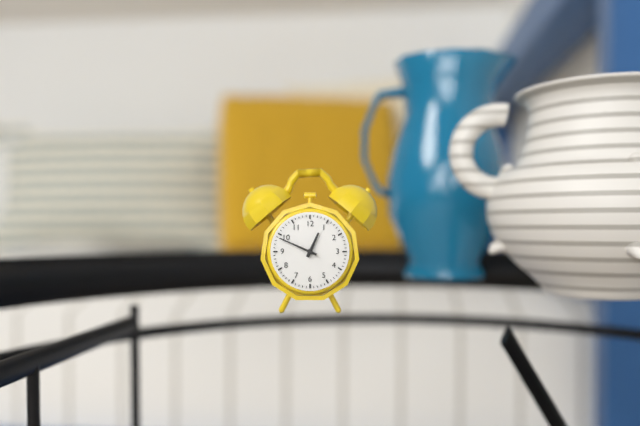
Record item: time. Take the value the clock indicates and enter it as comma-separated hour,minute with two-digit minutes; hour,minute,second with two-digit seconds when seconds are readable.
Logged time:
12,49
